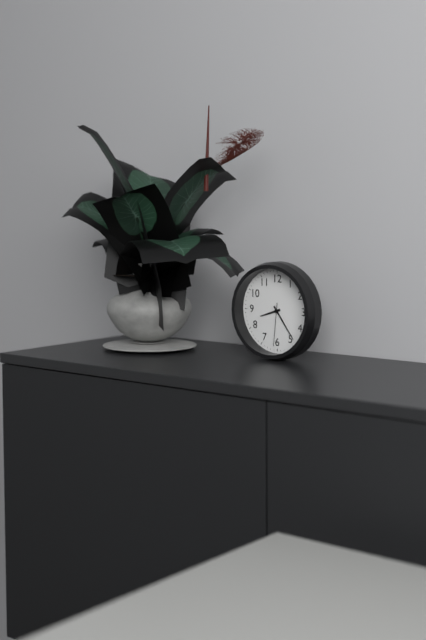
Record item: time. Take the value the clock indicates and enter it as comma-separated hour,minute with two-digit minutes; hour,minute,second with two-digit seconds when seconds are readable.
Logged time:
8,24
